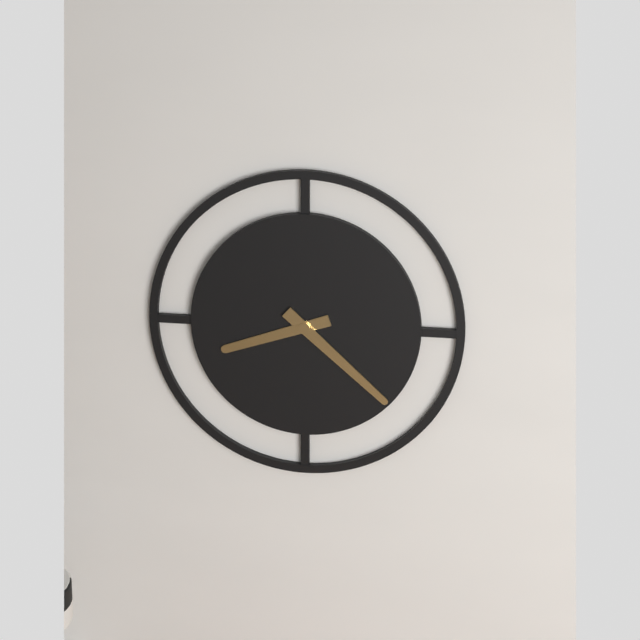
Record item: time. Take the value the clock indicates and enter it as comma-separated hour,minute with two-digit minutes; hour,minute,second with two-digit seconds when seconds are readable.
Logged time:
8,22
